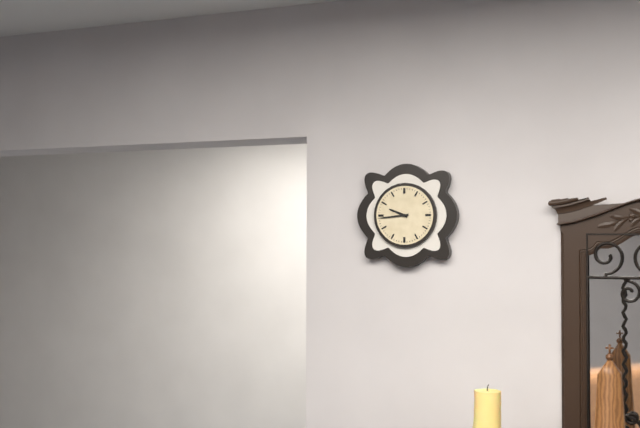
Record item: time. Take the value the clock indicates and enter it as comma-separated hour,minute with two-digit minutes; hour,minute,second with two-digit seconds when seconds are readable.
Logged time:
9,44
